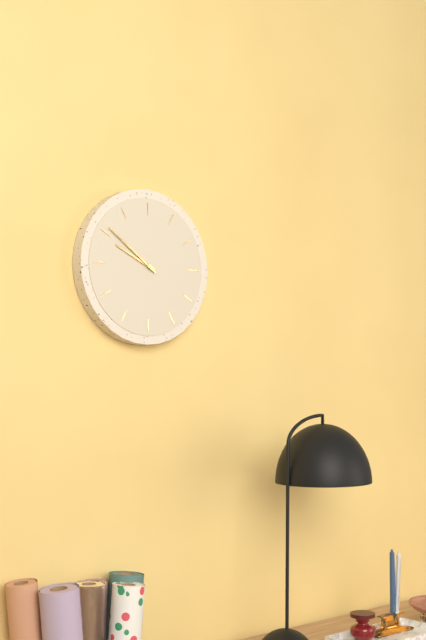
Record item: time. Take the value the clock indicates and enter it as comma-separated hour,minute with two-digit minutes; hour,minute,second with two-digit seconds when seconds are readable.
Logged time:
9,51
